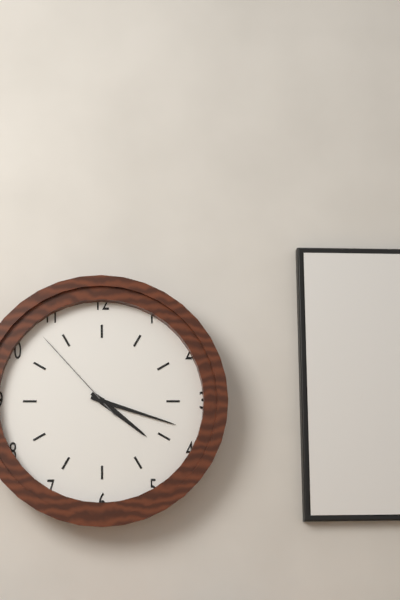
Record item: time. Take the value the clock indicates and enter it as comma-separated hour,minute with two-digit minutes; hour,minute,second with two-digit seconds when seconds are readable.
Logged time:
4,18,53
